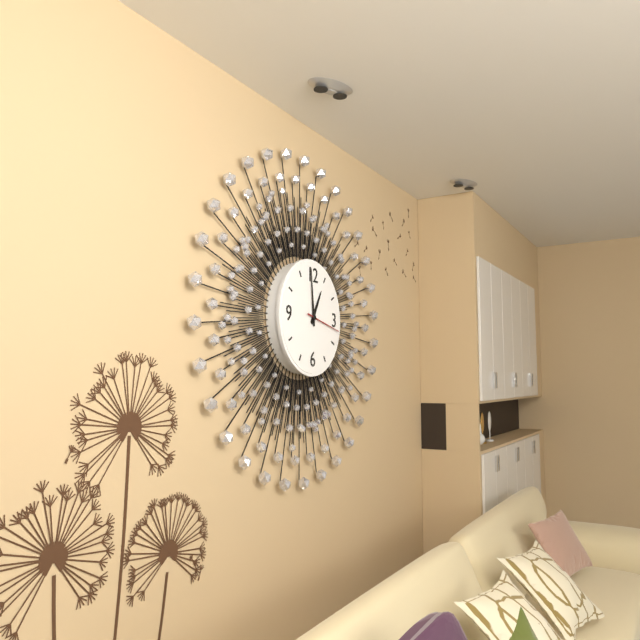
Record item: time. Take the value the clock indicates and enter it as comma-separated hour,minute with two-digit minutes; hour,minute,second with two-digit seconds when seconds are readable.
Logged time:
12,59
